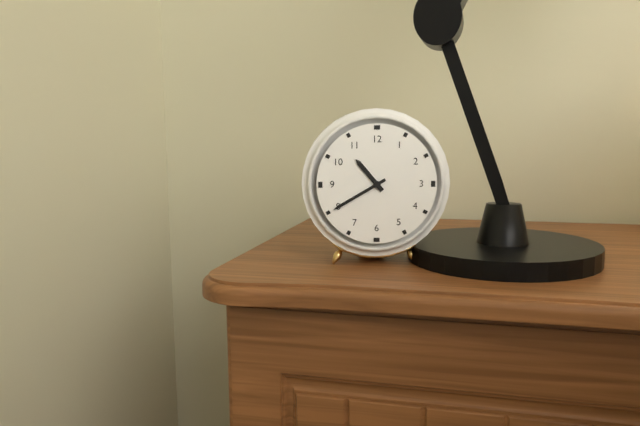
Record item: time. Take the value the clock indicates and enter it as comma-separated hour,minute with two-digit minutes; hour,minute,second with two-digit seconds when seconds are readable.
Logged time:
10,40
